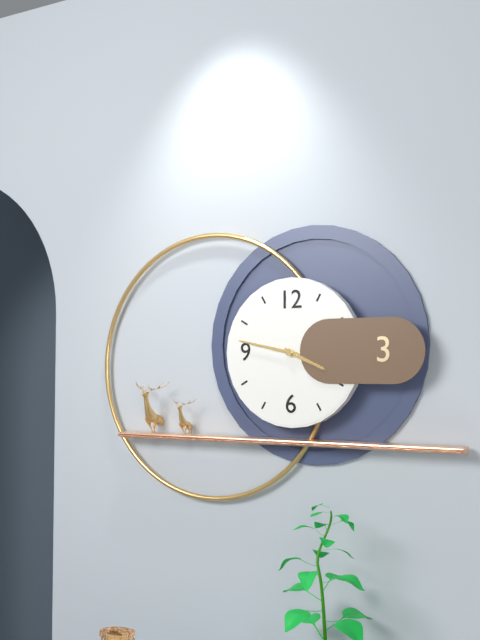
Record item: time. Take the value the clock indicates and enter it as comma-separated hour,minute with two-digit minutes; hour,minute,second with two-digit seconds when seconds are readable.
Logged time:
3,47
